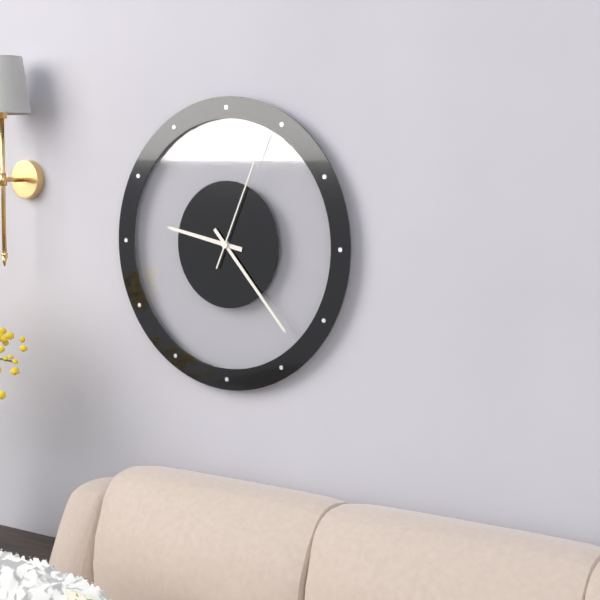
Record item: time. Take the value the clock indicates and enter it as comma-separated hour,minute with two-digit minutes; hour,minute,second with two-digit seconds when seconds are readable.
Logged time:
9,23,04
